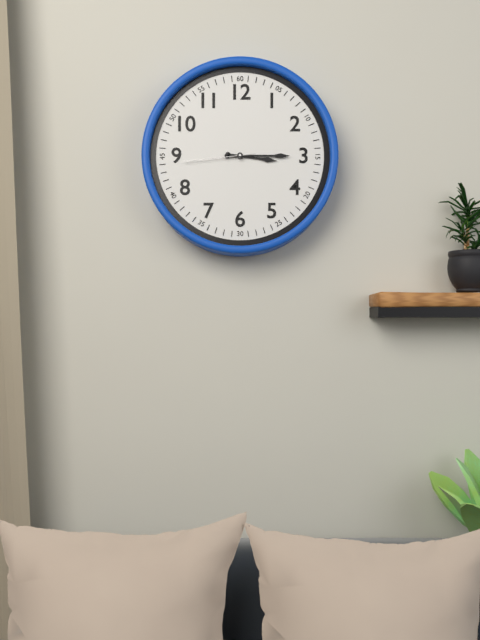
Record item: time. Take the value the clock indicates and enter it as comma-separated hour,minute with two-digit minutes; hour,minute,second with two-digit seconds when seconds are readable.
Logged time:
3,15,44
